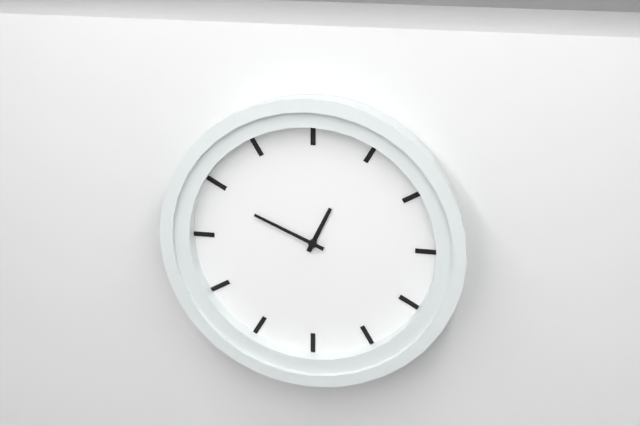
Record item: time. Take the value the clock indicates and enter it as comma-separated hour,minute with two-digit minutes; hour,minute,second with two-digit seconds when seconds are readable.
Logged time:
12,49
